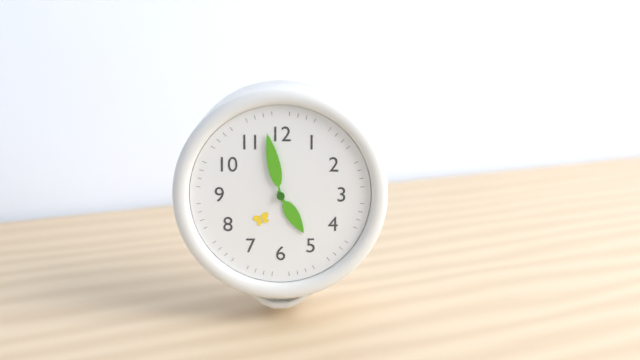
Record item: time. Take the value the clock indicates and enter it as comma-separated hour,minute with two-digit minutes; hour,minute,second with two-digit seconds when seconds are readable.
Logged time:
4,58
